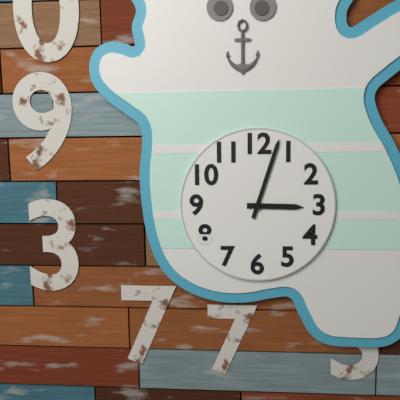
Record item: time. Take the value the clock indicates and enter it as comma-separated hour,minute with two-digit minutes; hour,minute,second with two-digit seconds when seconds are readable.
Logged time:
3,03
